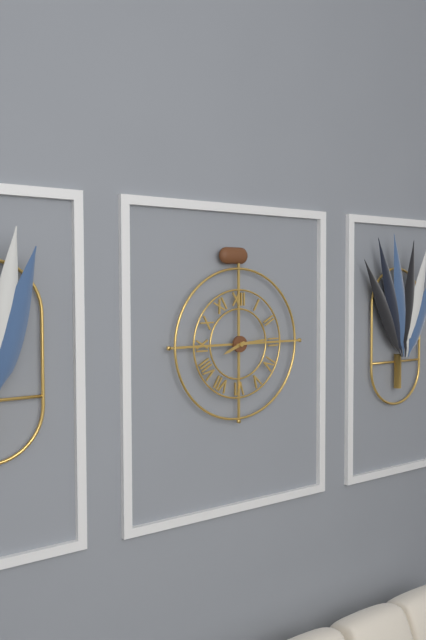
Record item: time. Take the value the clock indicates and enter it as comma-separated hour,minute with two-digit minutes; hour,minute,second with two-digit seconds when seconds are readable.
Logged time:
8,14
